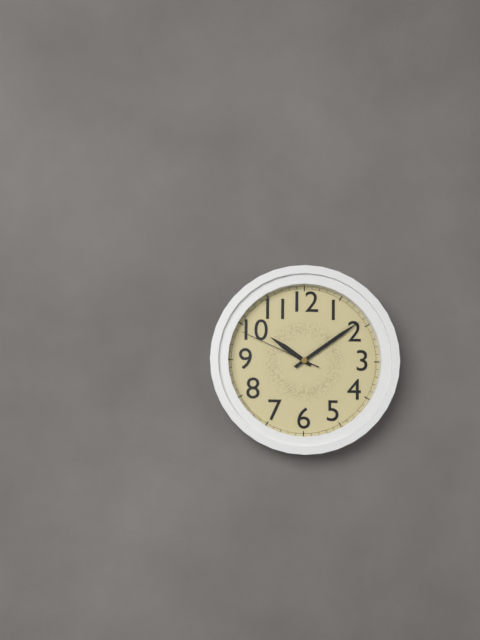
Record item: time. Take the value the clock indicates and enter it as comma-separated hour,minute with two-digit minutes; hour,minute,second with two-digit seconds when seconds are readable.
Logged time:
10,09,49
